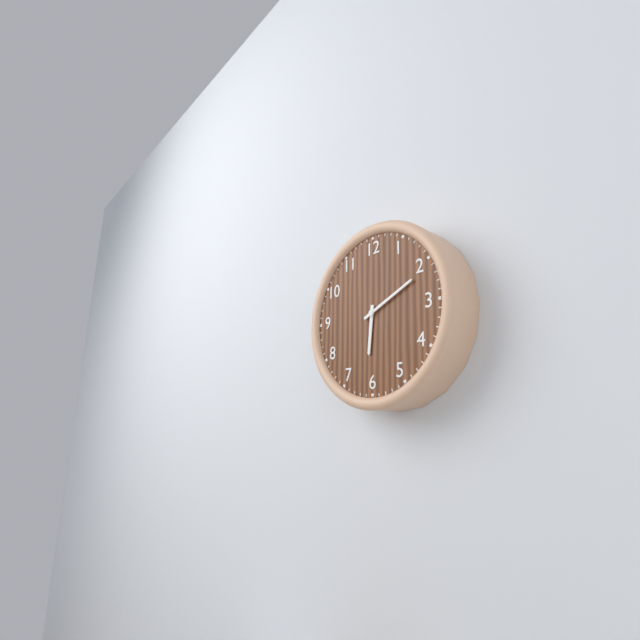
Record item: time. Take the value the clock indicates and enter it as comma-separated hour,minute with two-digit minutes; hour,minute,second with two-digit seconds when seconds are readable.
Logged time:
6,11
